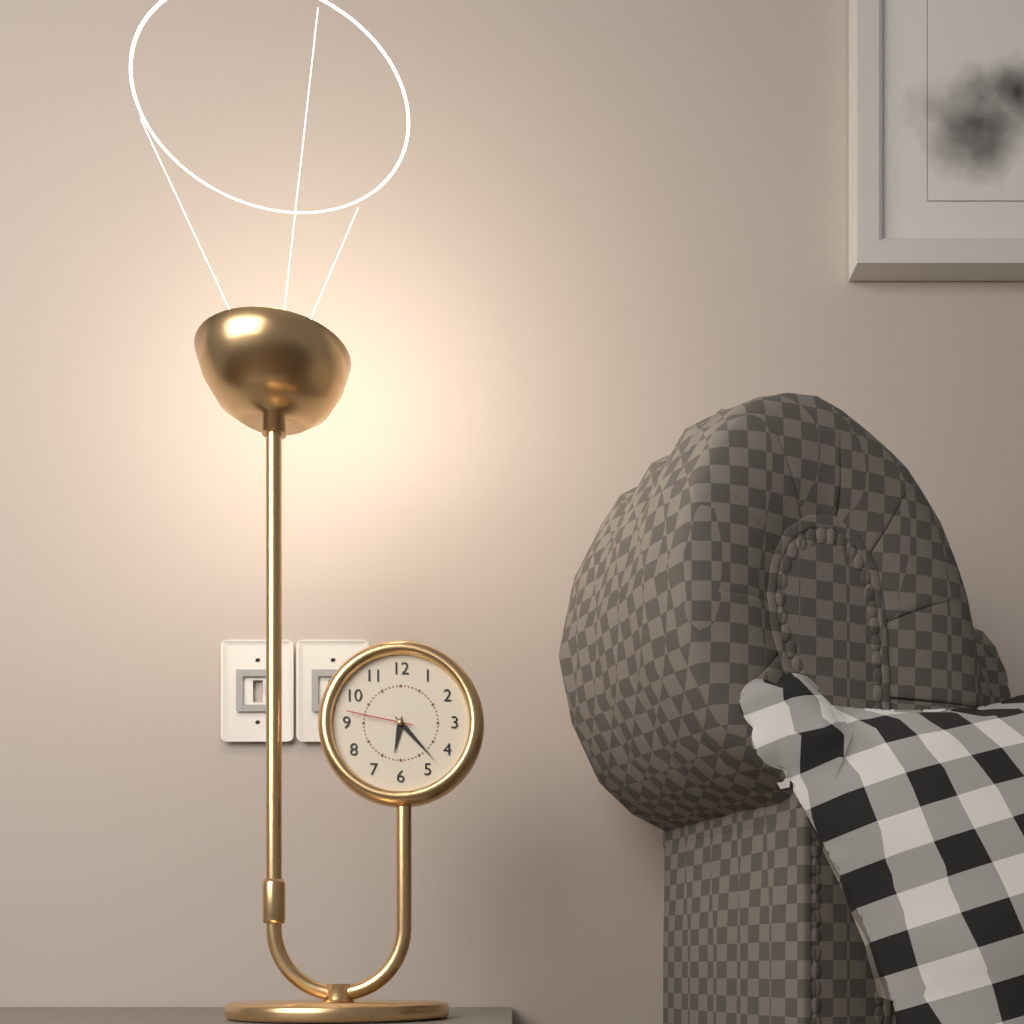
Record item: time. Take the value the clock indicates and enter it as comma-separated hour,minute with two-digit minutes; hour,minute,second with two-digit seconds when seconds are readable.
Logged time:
6,23,47
